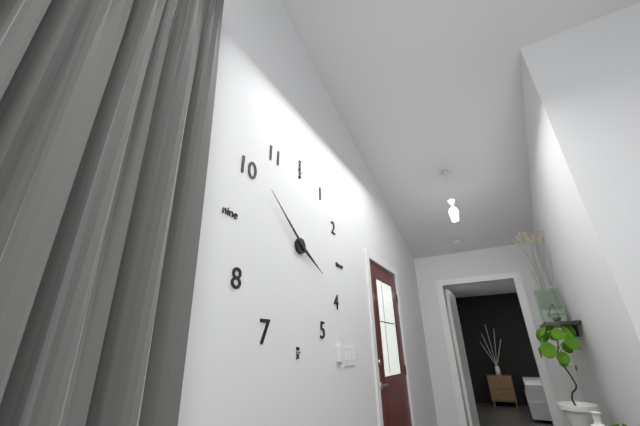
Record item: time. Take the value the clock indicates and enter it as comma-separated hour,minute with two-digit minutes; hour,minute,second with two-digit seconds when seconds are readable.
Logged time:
3,51
